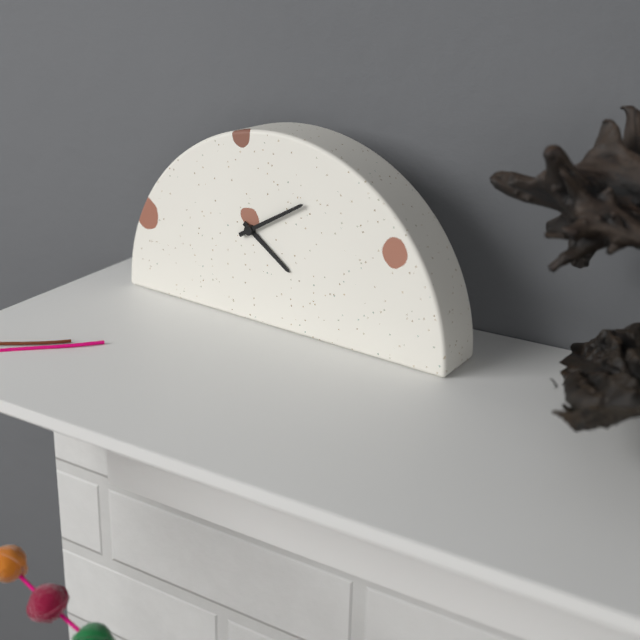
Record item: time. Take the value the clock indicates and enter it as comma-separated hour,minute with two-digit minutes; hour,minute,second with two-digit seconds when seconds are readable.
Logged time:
4,10
